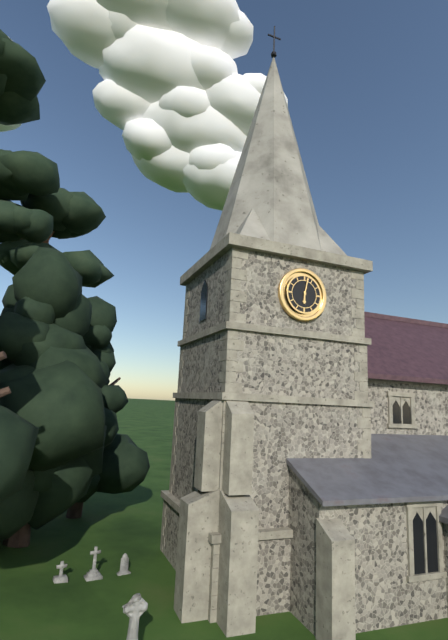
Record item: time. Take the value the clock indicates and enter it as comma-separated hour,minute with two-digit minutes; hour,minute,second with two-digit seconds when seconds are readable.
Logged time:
6,02
